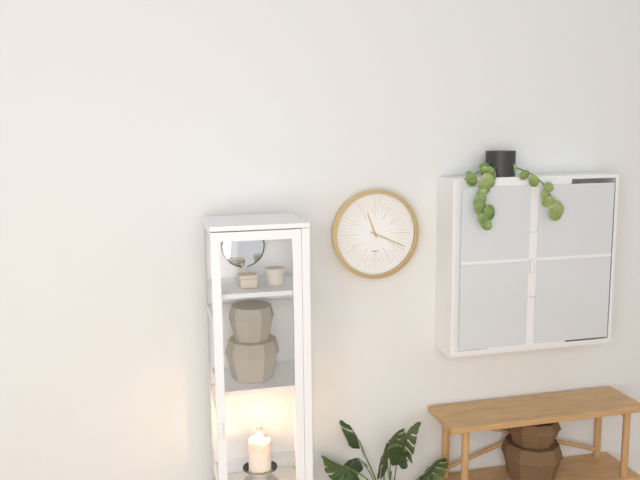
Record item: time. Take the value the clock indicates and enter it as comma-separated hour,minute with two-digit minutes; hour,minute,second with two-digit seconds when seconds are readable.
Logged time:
11,19
